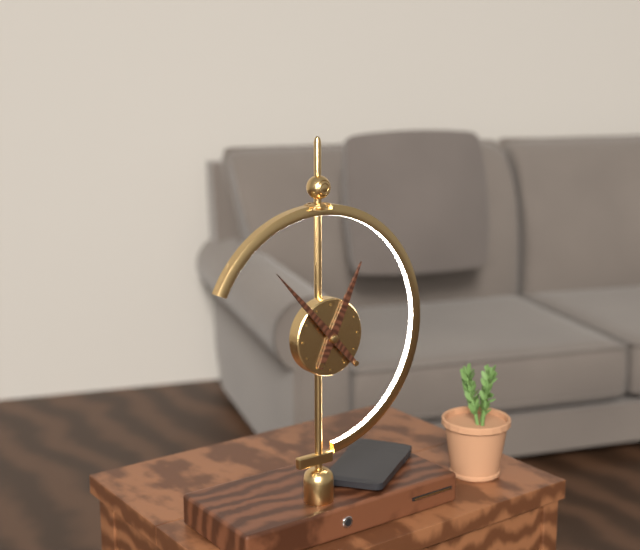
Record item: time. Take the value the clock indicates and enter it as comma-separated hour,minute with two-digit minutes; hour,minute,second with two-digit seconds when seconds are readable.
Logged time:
12,53
